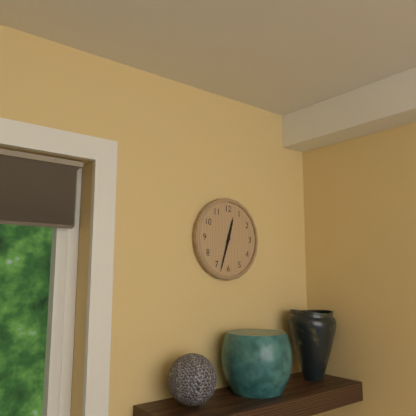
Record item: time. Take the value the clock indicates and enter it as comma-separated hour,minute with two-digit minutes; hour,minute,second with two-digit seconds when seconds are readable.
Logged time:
12,33
